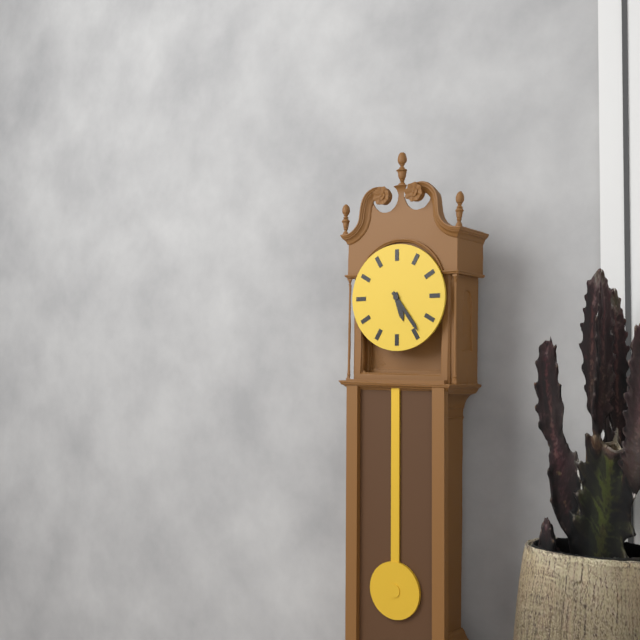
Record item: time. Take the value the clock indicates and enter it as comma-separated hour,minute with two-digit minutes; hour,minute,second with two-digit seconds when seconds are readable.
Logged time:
5,24
